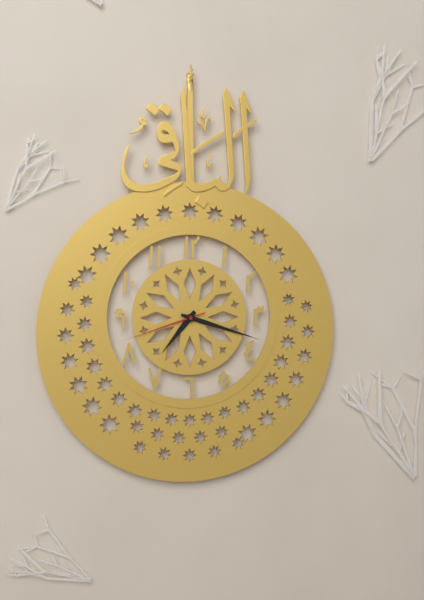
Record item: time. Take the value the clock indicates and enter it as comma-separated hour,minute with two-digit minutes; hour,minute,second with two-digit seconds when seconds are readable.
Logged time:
7,18,42
